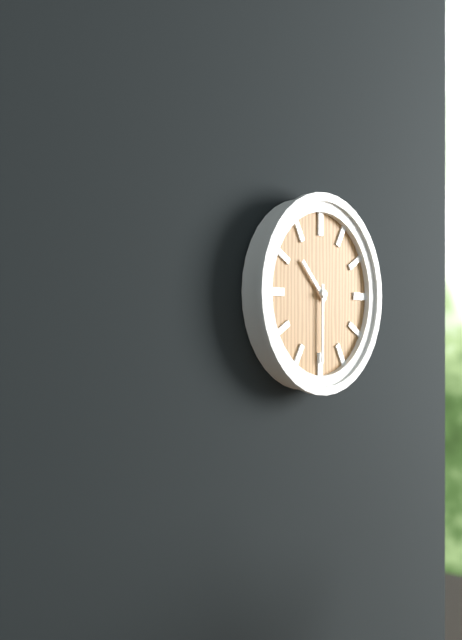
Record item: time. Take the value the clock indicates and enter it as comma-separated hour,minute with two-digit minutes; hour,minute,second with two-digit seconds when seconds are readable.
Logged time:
10,30
